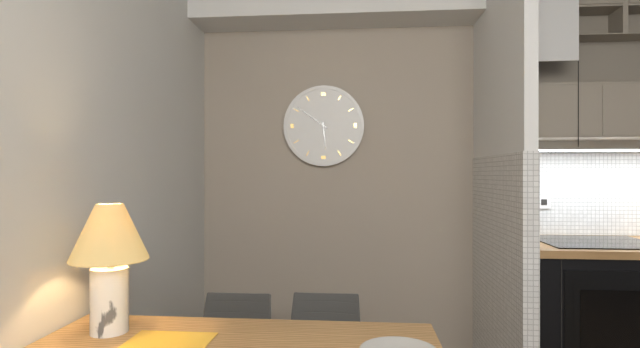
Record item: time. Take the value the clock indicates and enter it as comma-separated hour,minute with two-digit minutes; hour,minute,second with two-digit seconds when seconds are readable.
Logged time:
5,51
